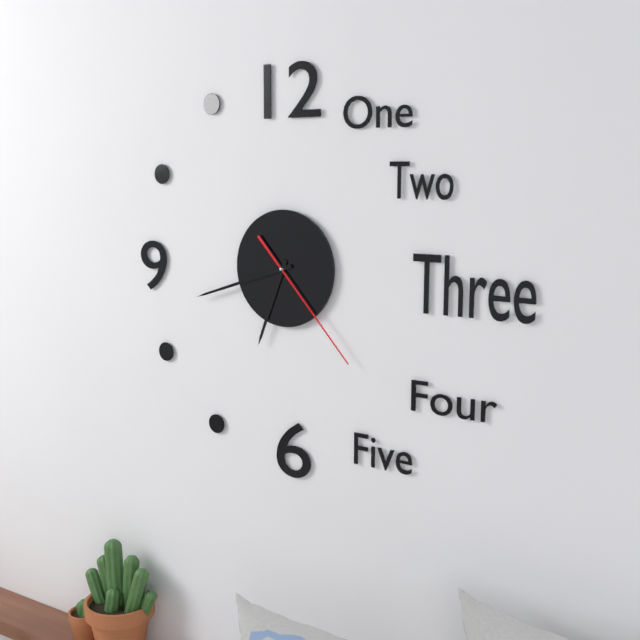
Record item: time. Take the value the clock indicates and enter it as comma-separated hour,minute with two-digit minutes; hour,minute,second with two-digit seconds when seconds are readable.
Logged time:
6,42,23
